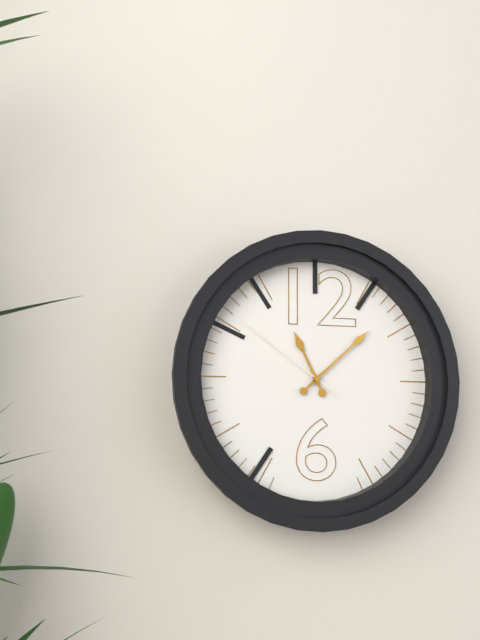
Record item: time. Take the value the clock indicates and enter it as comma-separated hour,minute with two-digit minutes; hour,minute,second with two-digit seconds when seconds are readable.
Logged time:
11,08,51
